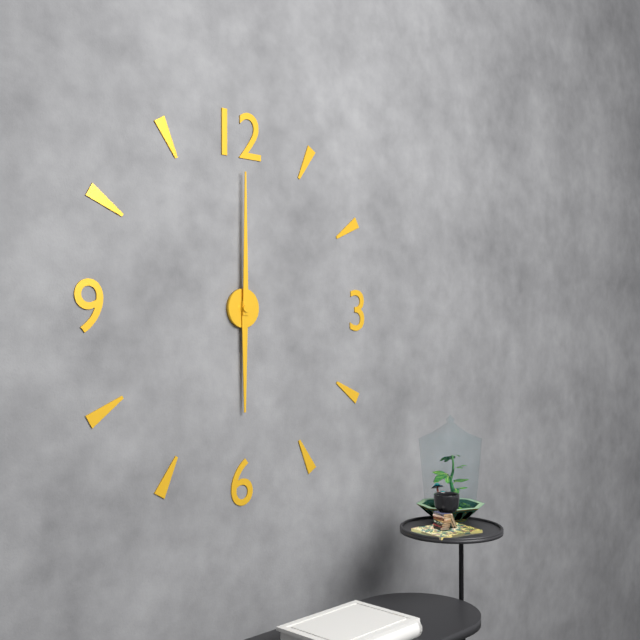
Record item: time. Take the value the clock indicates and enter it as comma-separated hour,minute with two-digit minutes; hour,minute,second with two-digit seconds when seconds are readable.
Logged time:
6,00
